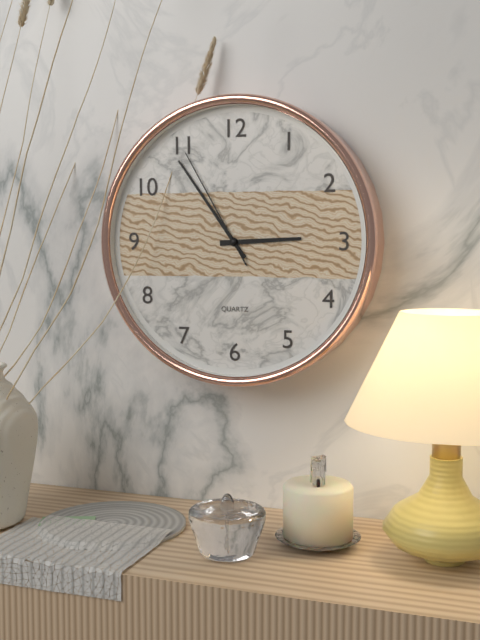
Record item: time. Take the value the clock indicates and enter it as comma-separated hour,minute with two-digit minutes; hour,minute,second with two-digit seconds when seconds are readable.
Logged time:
2,54,55
